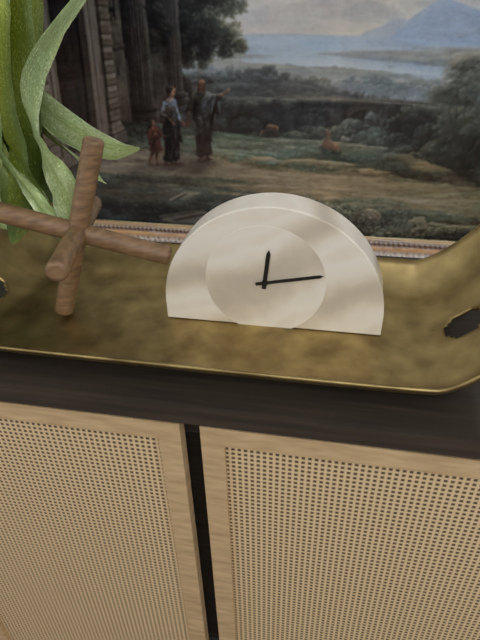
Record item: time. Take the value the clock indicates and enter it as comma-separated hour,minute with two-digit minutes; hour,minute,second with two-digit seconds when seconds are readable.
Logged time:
12,13
